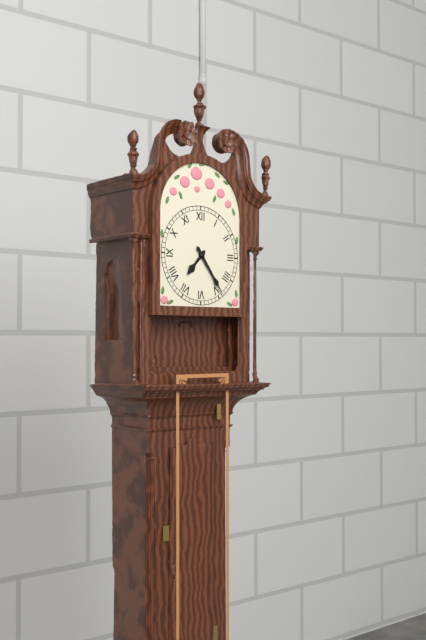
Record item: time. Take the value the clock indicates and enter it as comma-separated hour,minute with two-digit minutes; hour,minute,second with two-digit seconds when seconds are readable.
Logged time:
7,24
